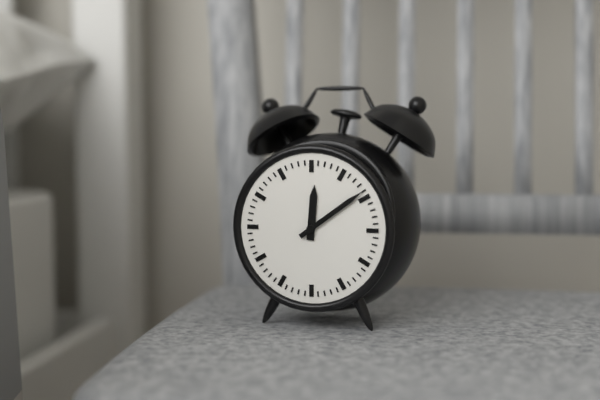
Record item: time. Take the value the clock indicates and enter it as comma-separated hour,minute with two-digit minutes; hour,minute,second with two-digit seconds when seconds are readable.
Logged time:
12,09
